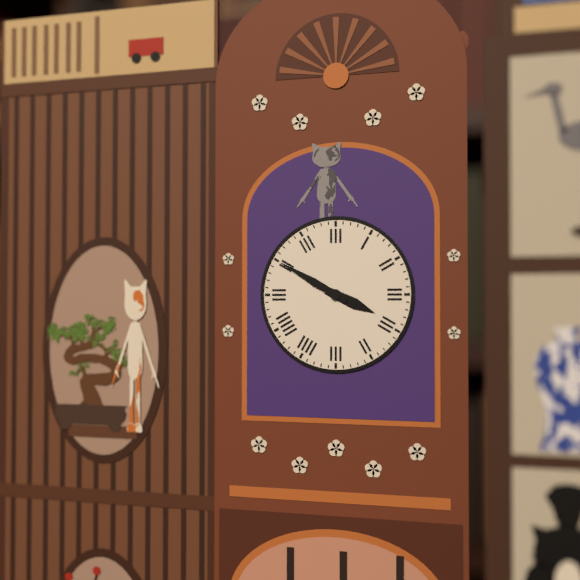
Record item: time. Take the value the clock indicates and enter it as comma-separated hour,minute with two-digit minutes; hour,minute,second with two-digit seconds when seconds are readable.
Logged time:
3,50
